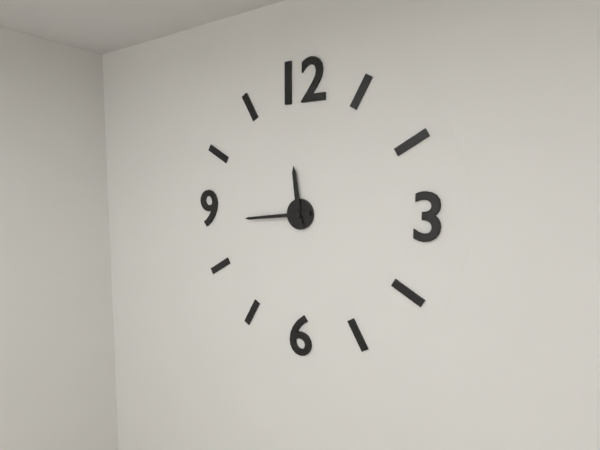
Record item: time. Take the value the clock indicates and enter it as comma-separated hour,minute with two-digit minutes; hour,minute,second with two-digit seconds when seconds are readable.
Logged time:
11,44
